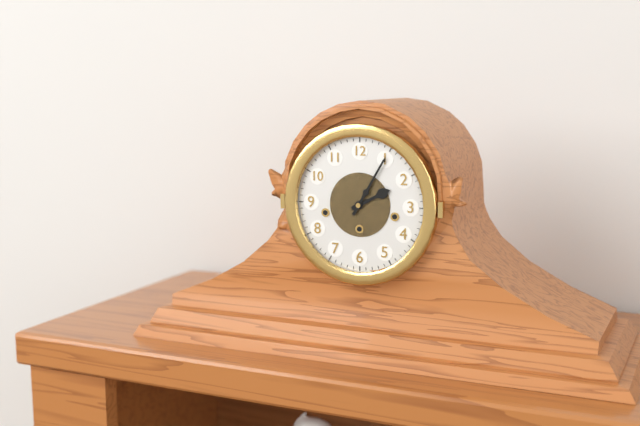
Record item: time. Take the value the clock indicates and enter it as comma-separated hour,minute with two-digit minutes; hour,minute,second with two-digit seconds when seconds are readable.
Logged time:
2,05
